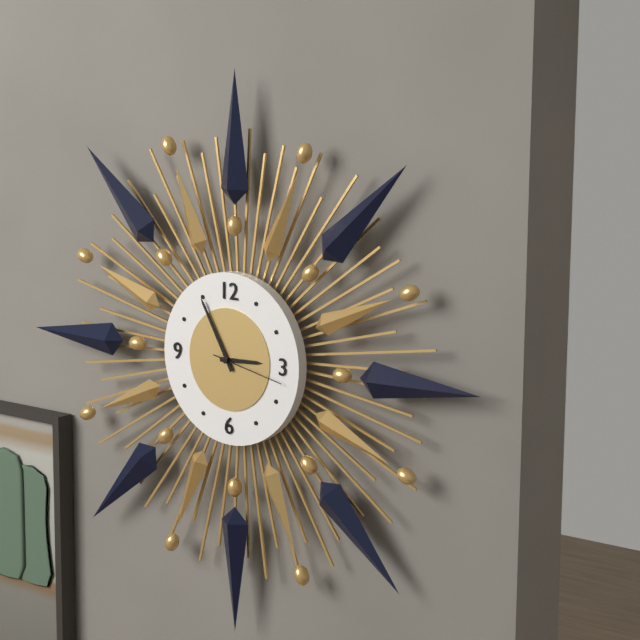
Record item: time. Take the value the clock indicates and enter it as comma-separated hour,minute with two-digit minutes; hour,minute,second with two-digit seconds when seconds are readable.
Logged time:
2,55,17
